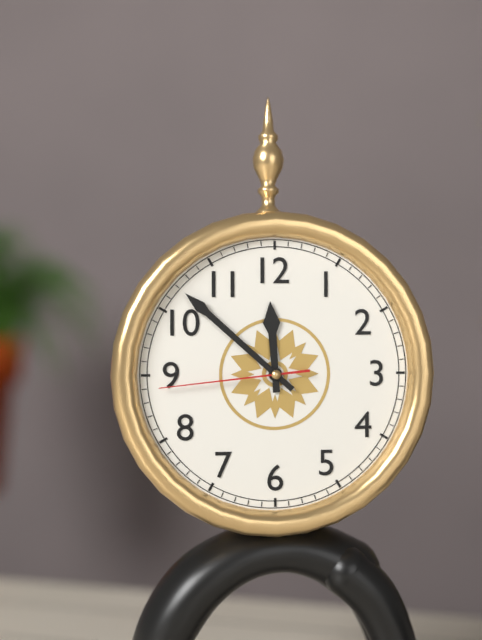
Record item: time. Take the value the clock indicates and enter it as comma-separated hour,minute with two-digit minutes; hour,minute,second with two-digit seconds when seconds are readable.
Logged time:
11,52,44
